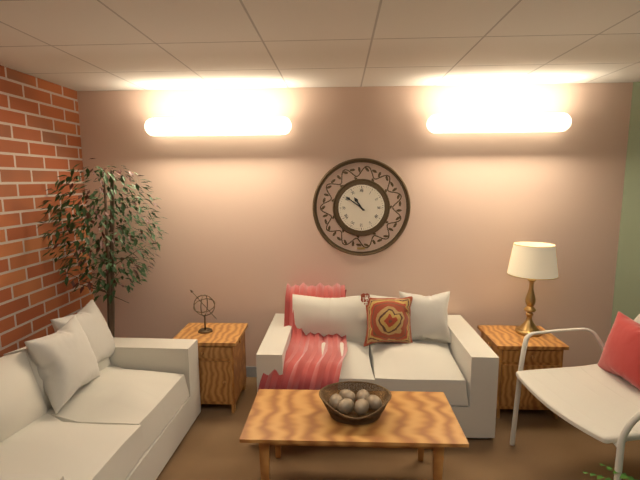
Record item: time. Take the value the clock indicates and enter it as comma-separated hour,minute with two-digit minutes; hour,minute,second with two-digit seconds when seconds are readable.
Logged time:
10,51
